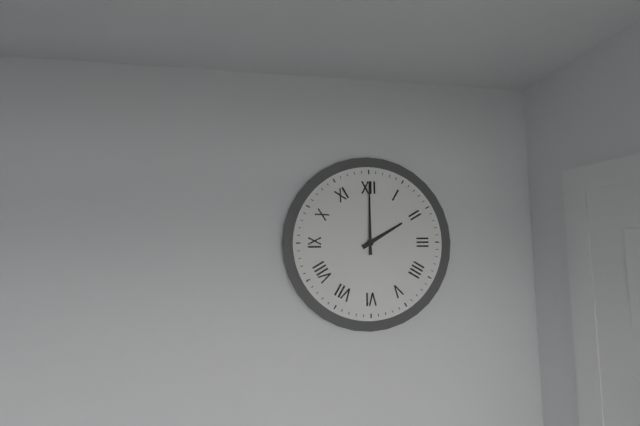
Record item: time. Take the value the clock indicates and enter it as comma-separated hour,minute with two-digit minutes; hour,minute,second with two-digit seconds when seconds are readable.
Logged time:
2,00
